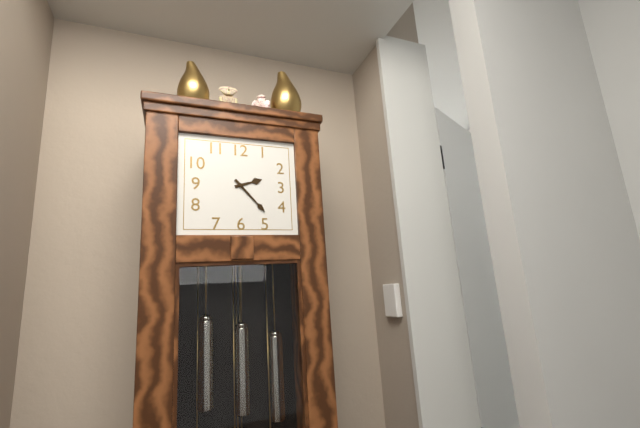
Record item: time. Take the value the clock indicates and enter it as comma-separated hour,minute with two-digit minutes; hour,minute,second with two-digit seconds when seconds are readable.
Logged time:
2,23
